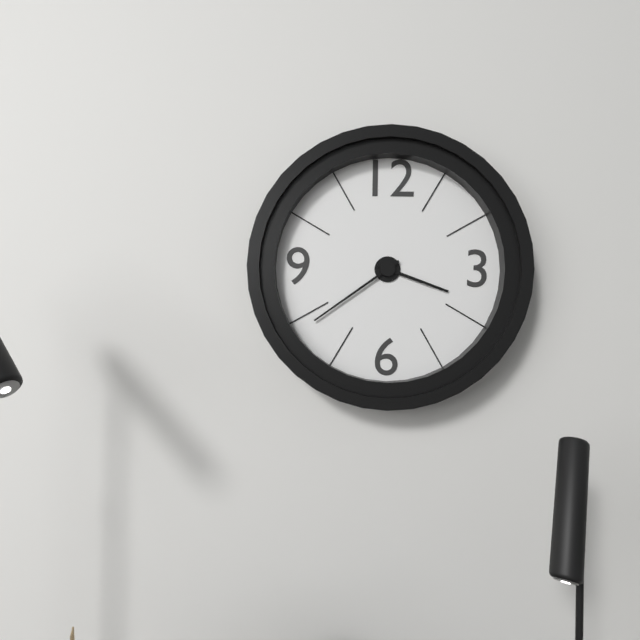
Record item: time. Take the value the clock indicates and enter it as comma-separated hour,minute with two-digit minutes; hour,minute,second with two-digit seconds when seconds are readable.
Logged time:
3,39
